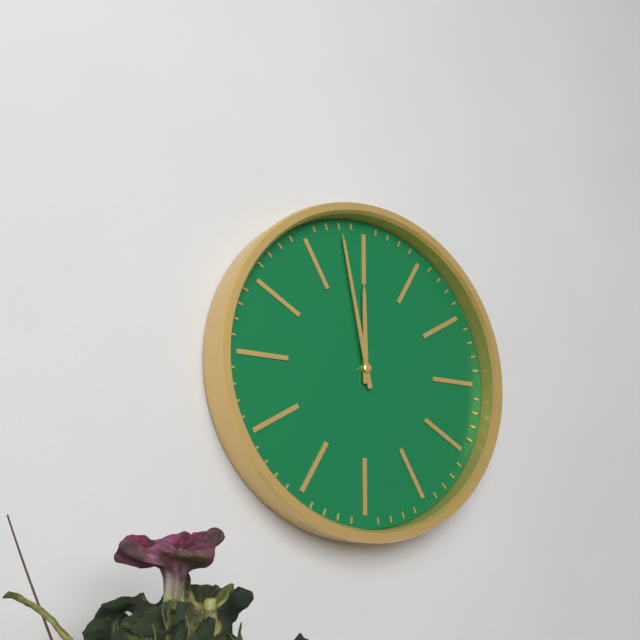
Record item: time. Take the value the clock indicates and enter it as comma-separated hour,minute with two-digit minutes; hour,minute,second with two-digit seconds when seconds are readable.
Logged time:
11,58
